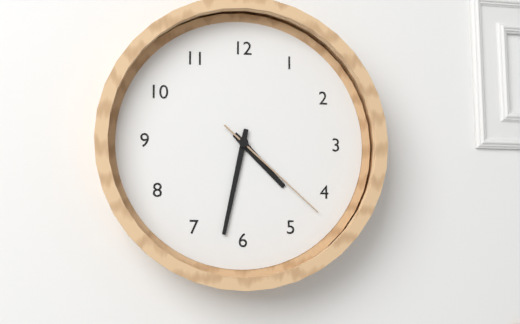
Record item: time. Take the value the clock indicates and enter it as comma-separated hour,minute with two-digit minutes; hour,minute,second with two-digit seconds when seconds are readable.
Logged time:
4,32,22
